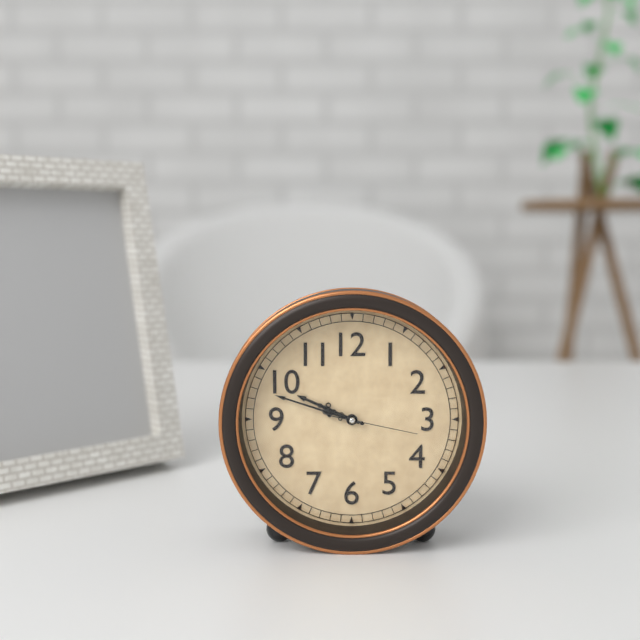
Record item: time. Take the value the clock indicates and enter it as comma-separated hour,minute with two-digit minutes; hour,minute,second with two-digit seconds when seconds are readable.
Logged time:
9,48,17
